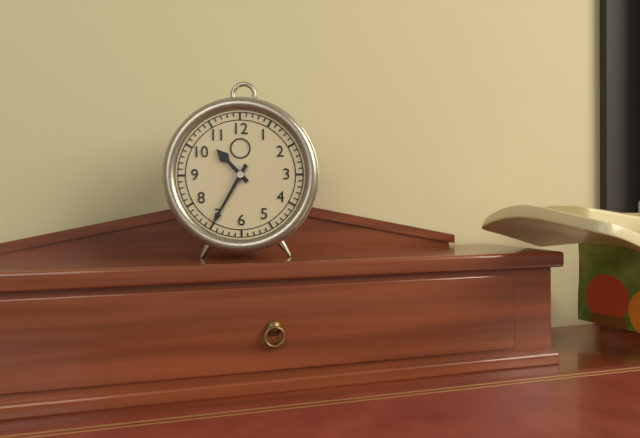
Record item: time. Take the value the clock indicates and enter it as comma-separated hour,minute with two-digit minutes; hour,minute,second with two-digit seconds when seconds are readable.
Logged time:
10,35
